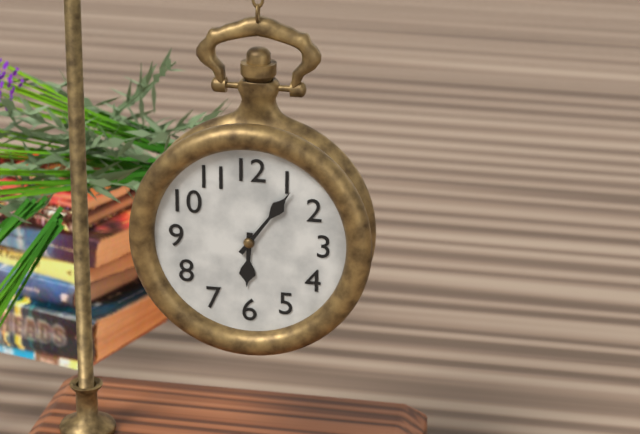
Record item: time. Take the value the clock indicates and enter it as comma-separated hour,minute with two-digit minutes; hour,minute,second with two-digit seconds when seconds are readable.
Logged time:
6,06
